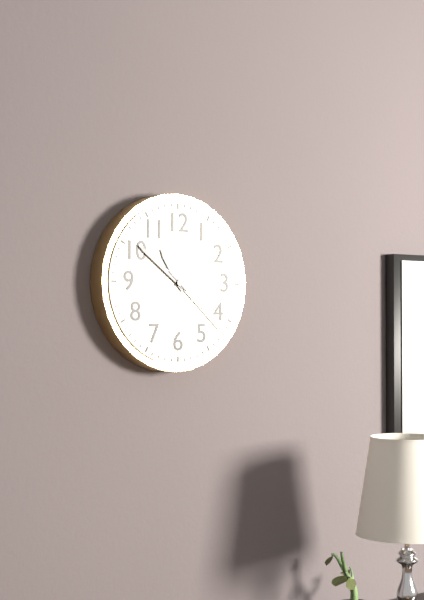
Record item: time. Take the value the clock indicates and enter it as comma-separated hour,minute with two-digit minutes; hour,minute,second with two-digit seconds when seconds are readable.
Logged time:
10,51,22
